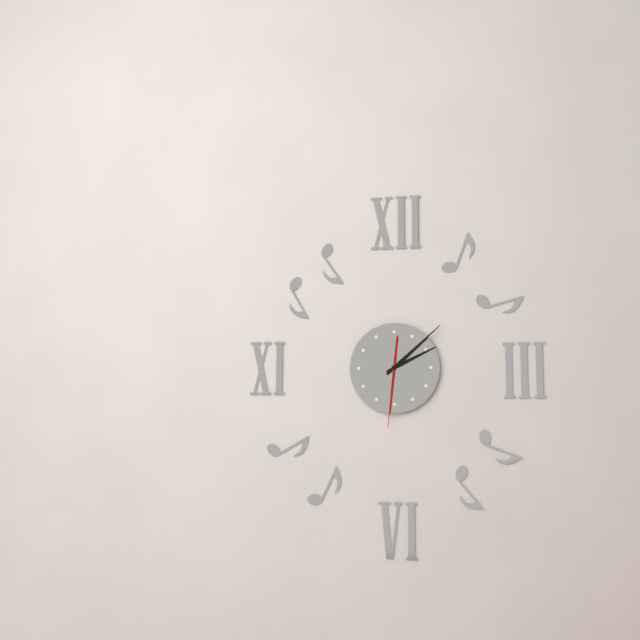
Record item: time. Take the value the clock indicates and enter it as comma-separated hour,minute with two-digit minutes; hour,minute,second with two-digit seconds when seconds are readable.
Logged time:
2,08,31
